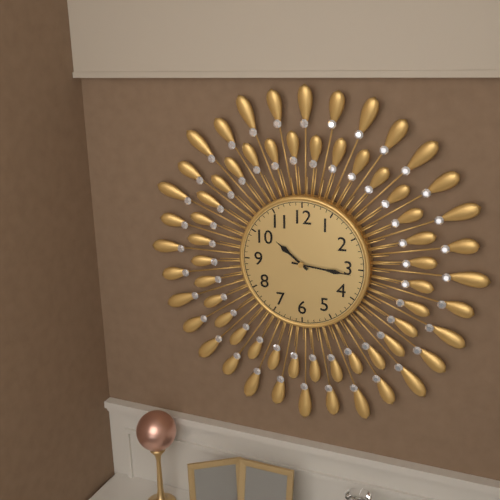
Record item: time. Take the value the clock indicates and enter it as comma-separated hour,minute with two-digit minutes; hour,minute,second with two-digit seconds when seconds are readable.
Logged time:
10,16
